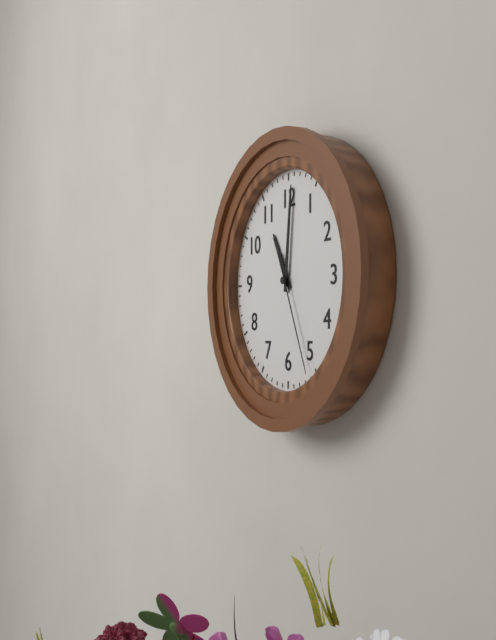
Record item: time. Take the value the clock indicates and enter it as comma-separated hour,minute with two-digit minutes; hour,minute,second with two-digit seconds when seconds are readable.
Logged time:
11,01,26
